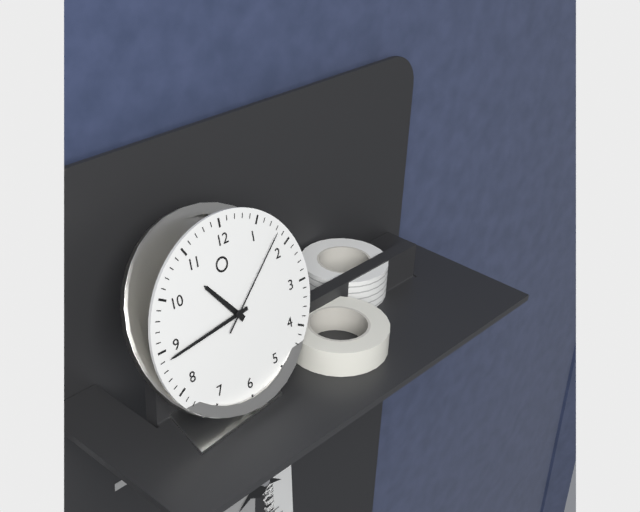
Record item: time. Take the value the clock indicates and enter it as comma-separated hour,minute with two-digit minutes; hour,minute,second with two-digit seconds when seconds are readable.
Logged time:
10,44,08
